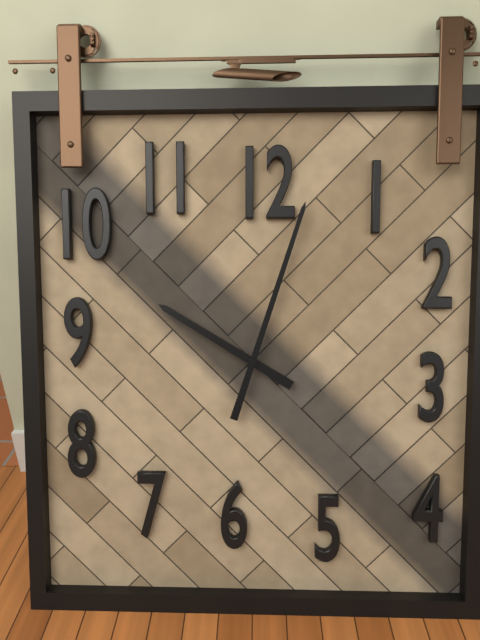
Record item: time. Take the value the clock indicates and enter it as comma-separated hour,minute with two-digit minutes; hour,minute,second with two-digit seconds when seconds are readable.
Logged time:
10,03
